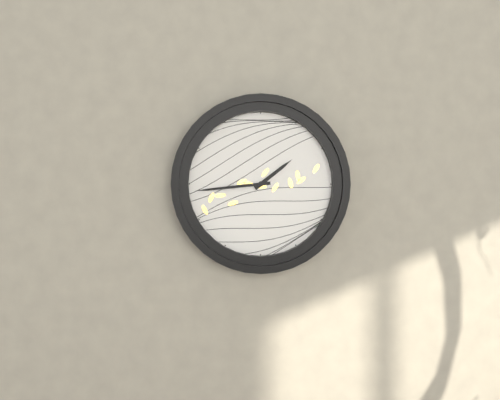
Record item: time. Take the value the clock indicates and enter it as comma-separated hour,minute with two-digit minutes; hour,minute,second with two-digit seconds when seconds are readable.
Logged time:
1,44
